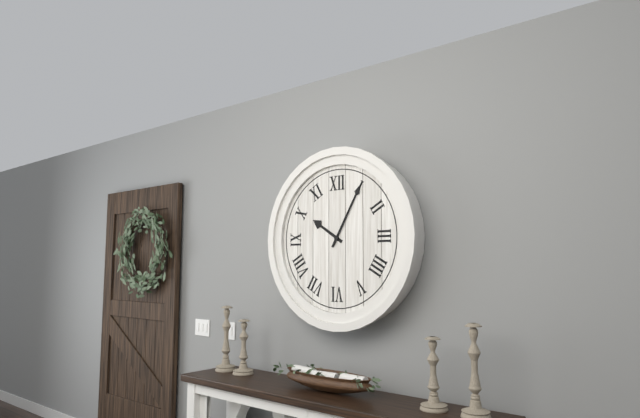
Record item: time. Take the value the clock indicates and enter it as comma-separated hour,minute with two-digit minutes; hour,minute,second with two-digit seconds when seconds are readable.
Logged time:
10,05
